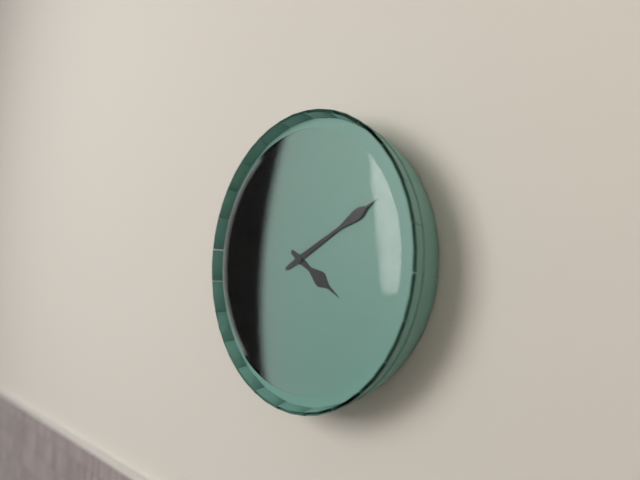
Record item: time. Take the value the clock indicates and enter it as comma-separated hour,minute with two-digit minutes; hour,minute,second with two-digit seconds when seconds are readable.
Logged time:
4,11
